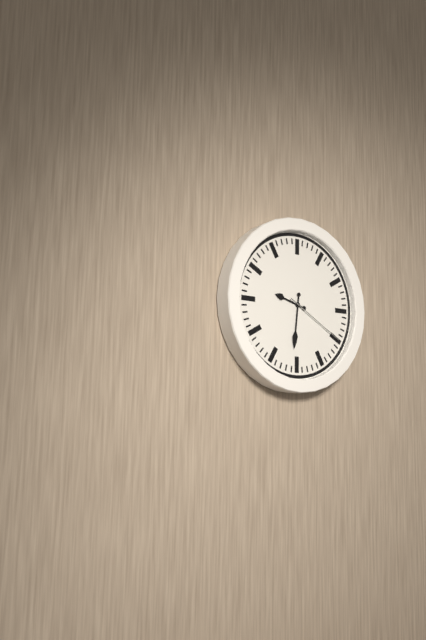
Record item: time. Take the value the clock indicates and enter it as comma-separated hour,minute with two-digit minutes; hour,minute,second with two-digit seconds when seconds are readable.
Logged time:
9,31,20
